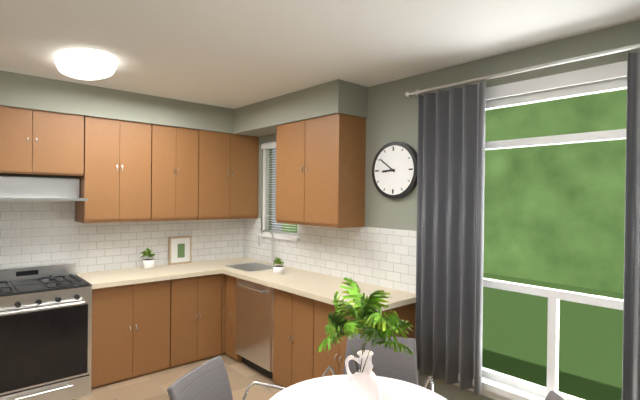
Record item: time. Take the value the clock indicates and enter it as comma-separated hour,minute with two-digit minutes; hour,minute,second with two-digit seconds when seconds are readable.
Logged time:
8,51
